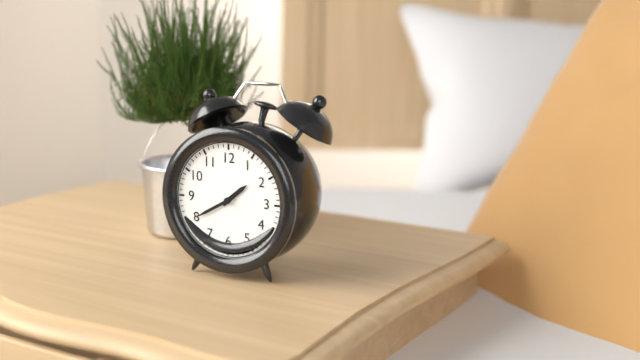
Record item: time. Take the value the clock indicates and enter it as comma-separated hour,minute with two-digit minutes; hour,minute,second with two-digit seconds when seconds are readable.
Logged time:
1,40
